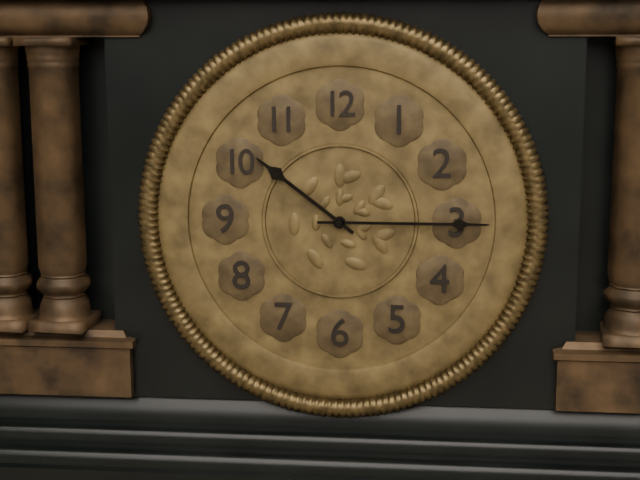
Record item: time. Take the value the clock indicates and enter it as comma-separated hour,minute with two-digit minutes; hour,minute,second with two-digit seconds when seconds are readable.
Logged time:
10,15
